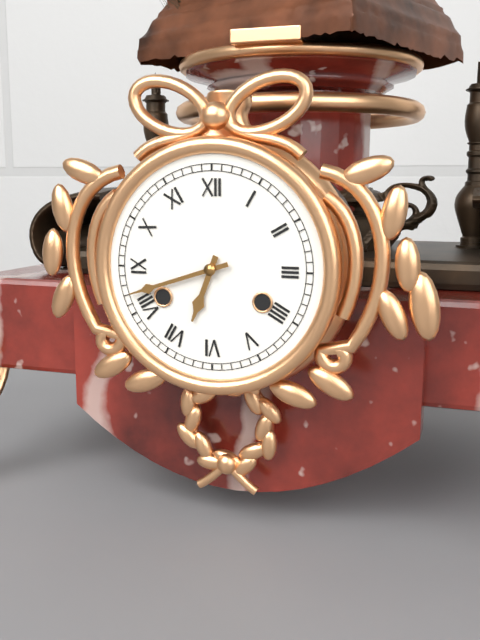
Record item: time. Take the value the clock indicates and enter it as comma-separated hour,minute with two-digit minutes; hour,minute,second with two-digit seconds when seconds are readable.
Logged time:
6,42
